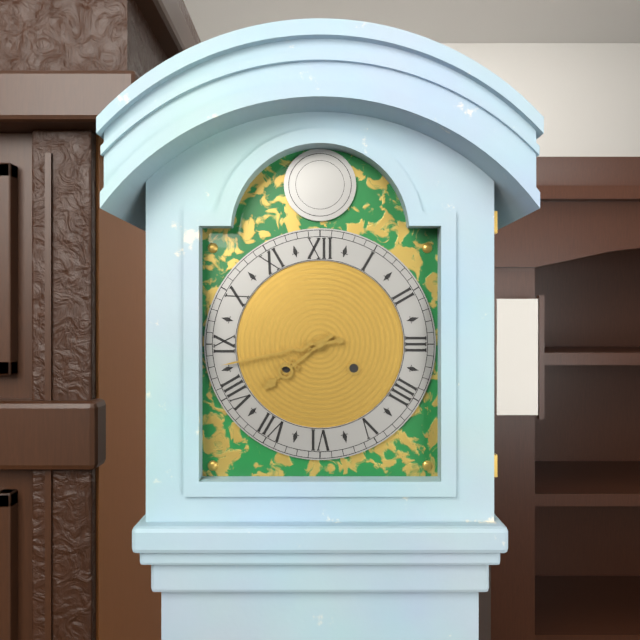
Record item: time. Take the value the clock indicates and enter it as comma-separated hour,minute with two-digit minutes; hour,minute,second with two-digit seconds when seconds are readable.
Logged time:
7,43
